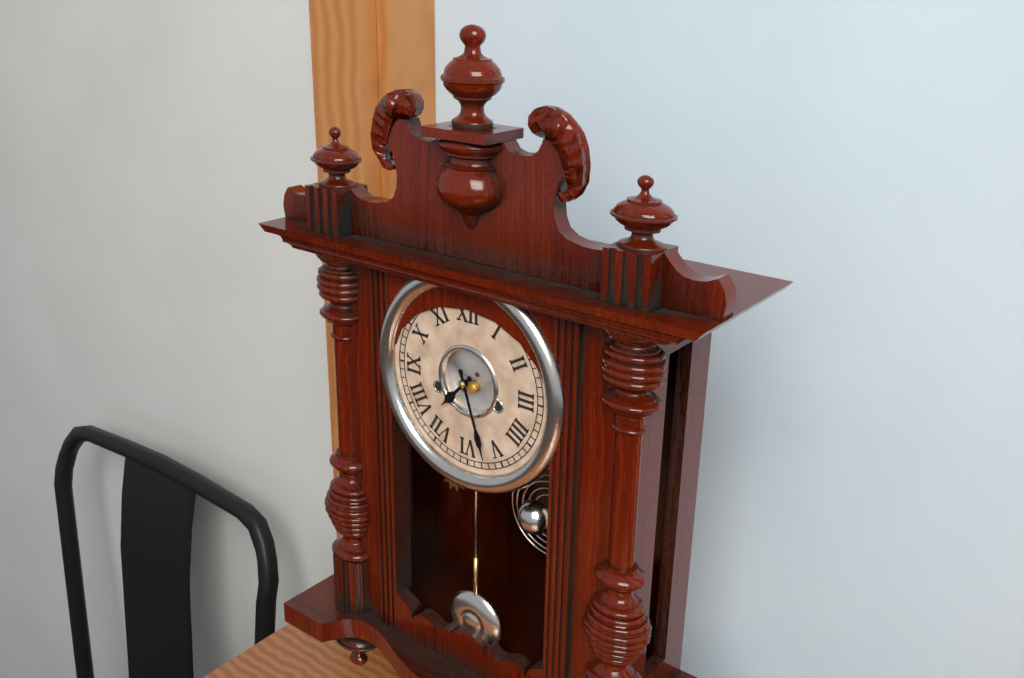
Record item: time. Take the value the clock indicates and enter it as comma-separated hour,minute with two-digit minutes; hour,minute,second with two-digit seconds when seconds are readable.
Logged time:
7,27
